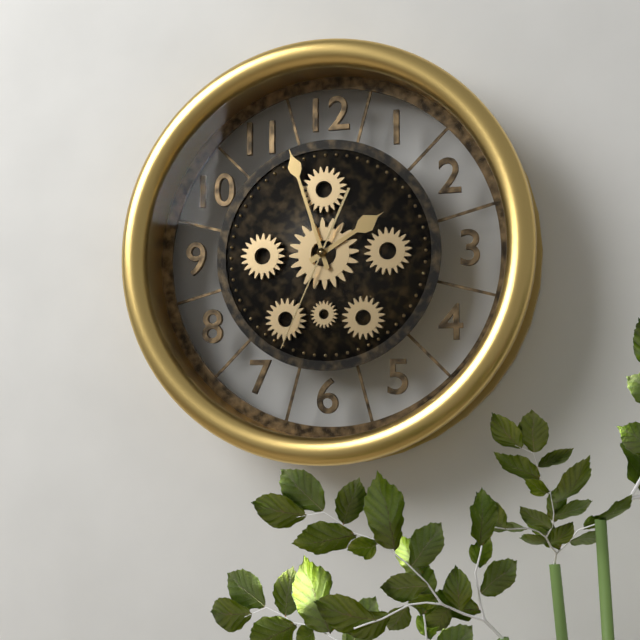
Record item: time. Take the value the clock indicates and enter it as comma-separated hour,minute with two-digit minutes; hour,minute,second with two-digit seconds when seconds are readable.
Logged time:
1,57,34
